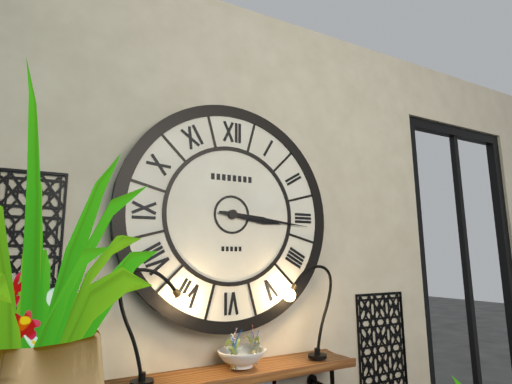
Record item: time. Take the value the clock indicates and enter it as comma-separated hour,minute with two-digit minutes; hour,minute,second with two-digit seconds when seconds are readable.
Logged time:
3,16
